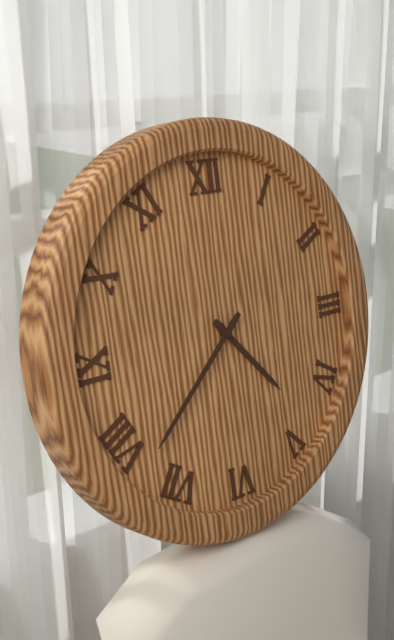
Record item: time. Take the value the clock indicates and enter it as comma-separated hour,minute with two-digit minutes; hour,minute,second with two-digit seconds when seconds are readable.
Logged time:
4,38
